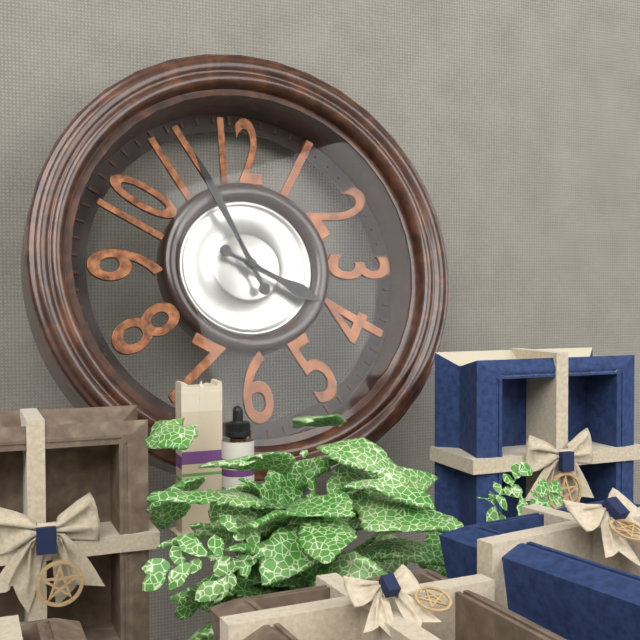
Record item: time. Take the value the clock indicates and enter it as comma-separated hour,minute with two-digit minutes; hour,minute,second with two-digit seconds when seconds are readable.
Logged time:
3,56
